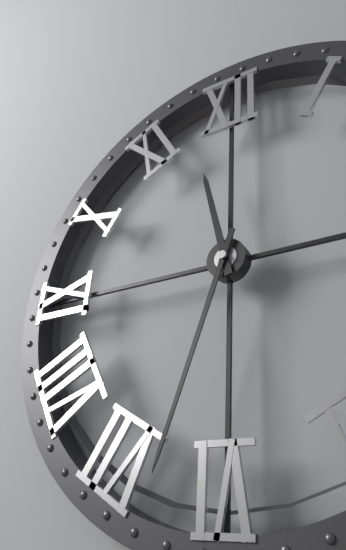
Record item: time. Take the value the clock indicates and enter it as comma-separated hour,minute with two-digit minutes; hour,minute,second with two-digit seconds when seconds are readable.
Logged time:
11,33
